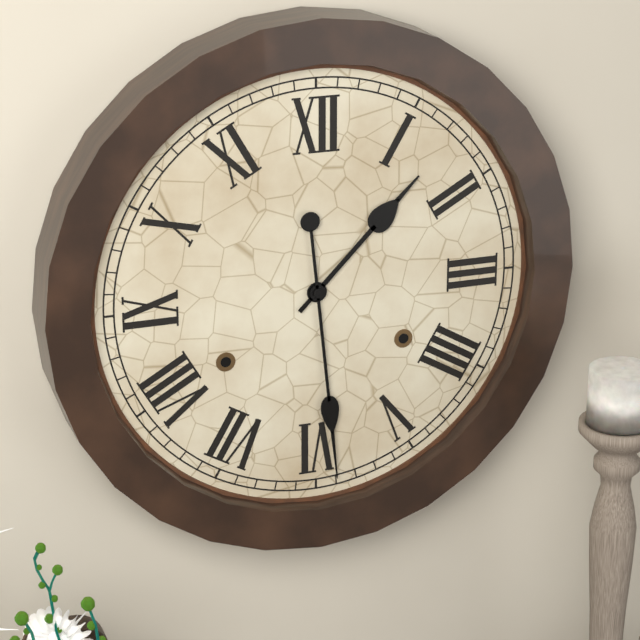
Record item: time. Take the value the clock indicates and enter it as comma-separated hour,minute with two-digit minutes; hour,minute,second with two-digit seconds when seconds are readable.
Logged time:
1,29
